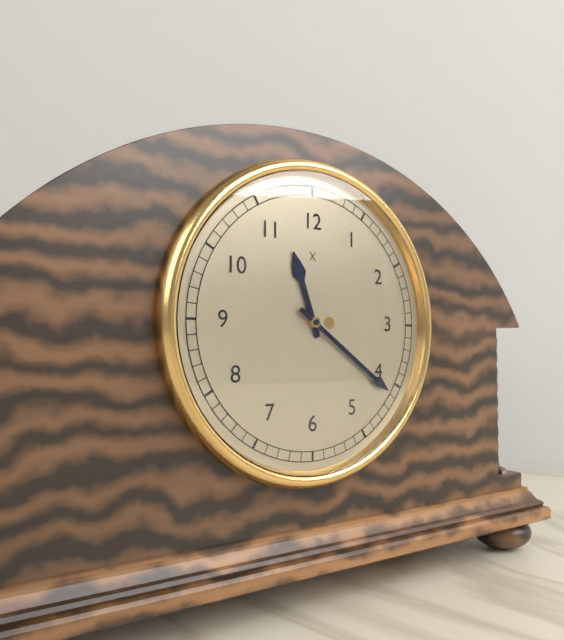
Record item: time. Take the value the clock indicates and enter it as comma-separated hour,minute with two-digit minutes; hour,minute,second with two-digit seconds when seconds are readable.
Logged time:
11,21
